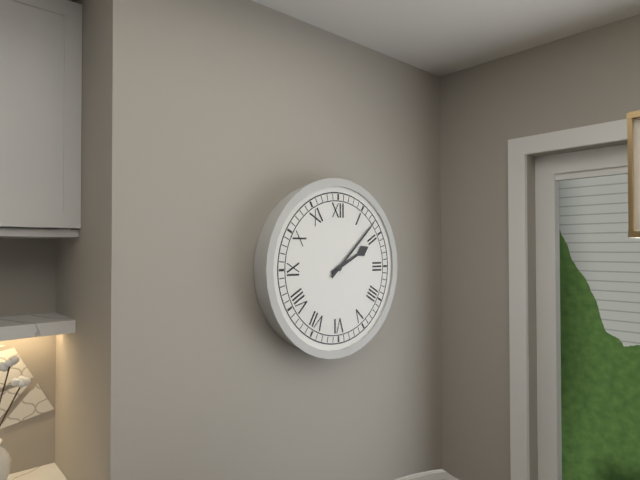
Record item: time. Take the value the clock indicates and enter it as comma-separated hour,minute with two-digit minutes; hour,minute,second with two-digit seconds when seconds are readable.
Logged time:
2,08
